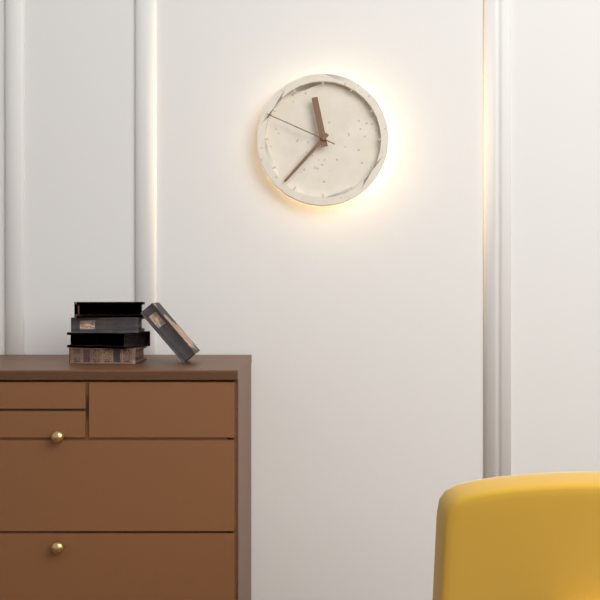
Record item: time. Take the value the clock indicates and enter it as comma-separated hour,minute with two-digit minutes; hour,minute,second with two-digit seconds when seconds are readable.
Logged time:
11,37,49
